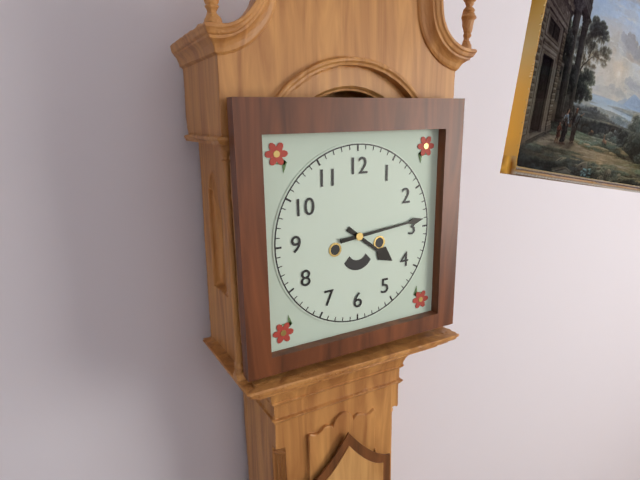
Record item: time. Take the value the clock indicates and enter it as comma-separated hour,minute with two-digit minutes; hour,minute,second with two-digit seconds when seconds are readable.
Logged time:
4,14
